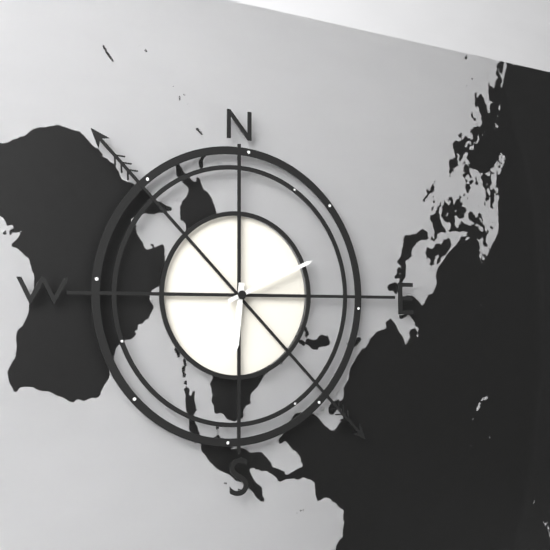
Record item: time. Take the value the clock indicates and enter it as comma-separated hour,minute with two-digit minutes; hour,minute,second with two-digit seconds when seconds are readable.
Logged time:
6,11
